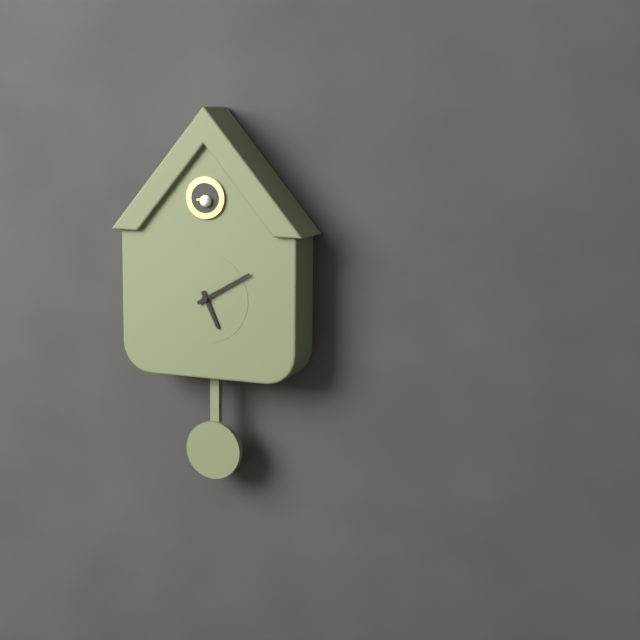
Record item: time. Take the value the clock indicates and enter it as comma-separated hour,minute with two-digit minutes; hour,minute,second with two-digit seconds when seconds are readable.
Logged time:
5,10
